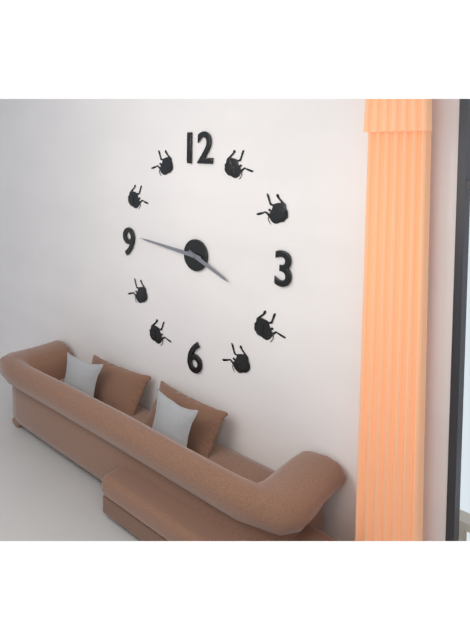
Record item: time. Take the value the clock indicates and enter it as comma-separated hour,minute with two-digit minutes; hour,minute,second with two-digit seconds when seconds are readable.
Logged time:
3,46
